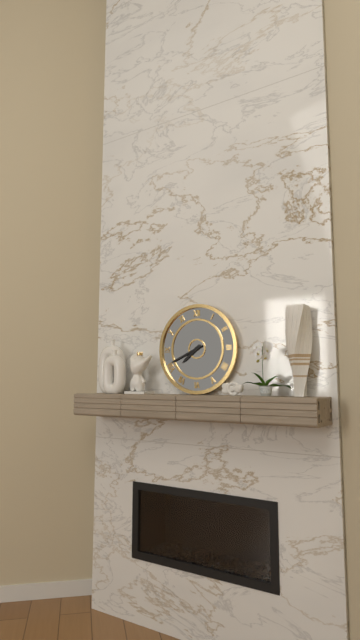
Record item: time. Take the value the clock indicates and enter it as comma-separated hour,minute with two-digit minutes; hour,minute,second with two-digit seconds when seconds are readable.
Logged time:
7,41
